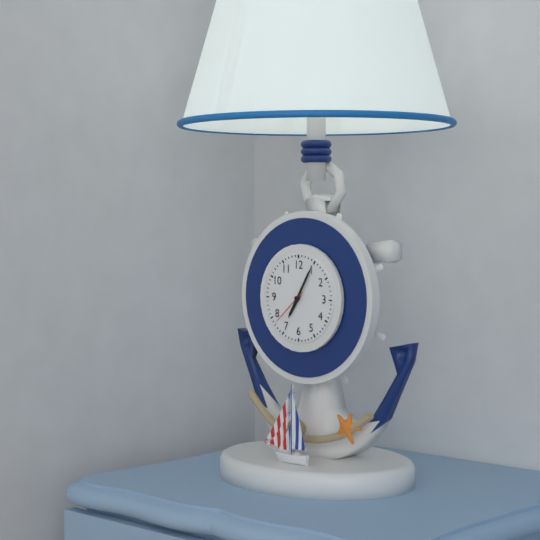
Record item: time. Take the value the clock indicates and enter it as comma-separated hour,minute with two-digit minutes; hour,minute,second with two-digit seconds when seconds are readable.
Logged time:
7,05
